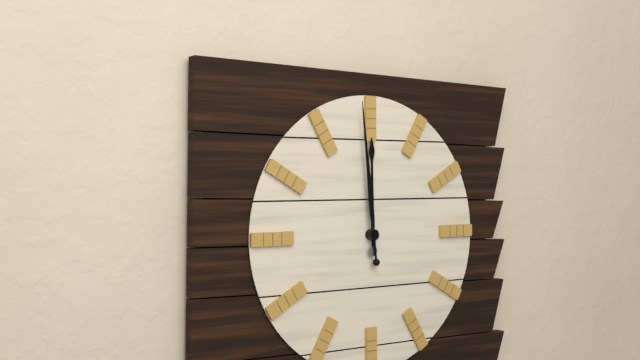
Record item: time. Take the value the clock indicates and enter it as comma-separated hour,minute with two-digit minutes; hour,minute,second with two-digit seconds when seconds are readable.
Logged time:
11,59
